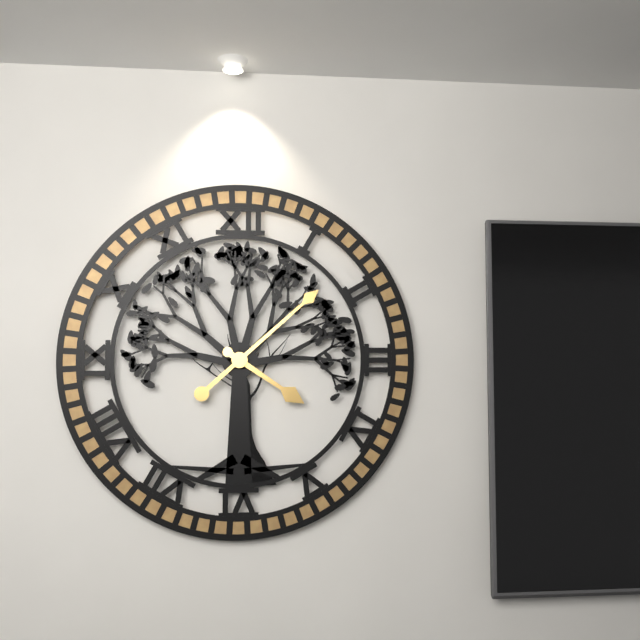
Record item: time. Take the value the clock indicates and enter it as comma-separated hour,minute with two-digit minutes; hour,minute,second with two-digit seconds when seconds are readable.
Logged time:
4,08
